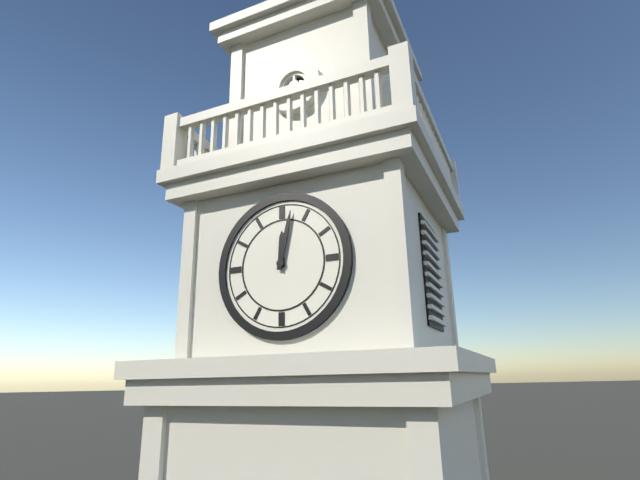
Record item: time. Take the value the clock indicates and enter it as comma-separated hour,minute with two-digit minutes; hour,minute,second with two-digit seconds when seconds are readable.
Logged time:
12,02
